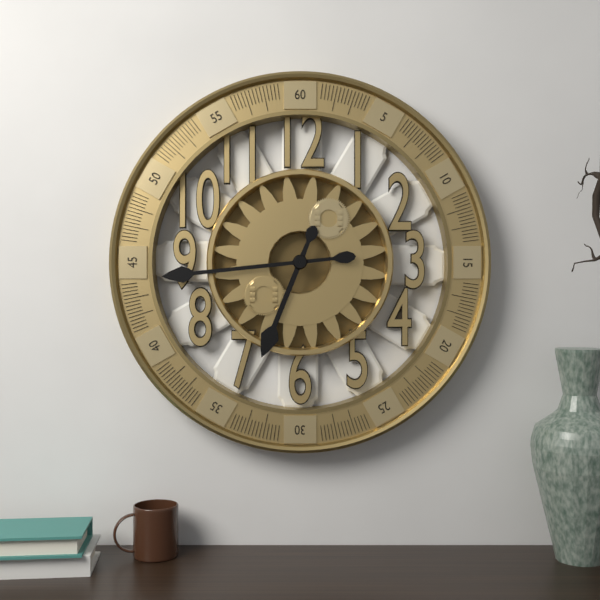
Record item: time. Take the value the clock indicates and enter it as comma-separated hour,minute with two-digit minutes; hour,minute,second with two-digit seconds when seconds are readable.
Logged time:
6,44
